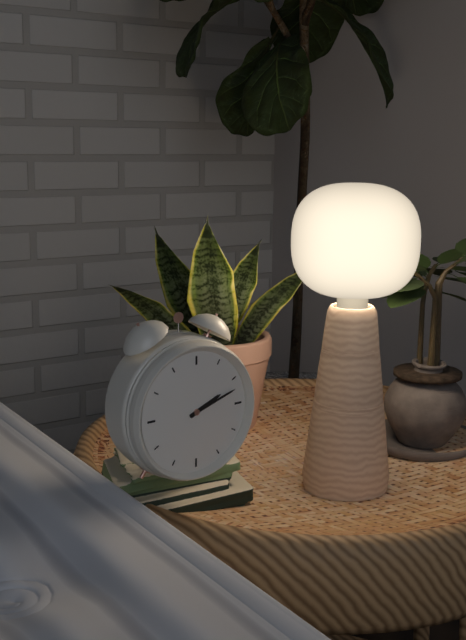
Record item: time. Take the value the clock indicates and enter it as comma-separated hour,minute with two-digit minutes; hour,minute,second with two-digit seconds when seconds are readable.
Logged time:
2,12
